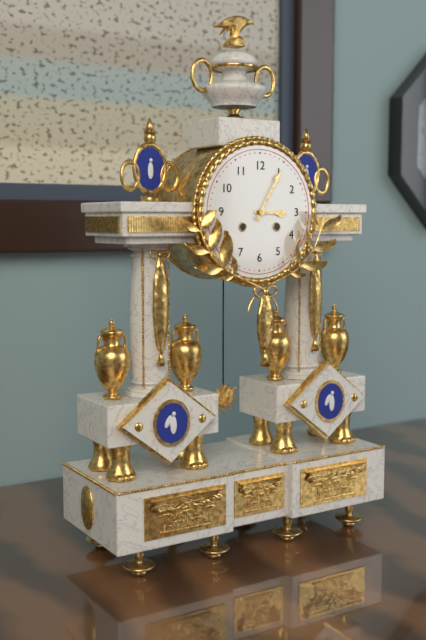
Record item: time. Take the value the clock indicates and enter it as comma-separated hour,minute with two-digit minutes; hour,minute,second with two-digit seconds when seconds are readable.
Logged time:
3,05
